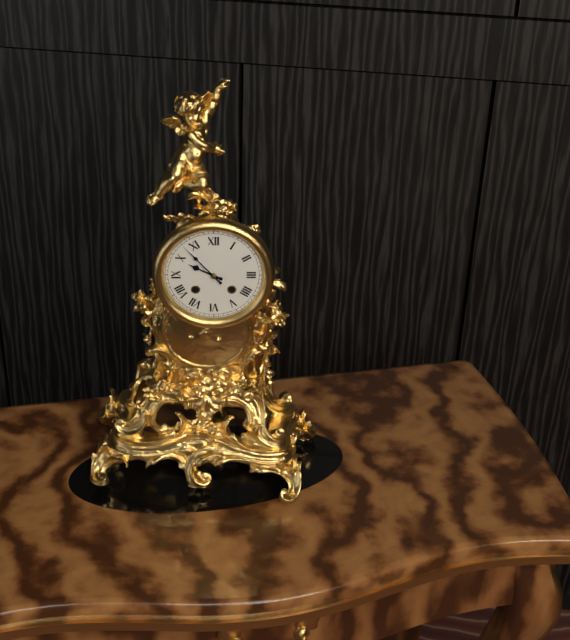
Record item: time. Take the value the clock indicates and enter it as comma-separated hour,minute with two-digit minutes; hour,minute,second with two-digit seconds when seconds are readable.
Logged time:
9,53
